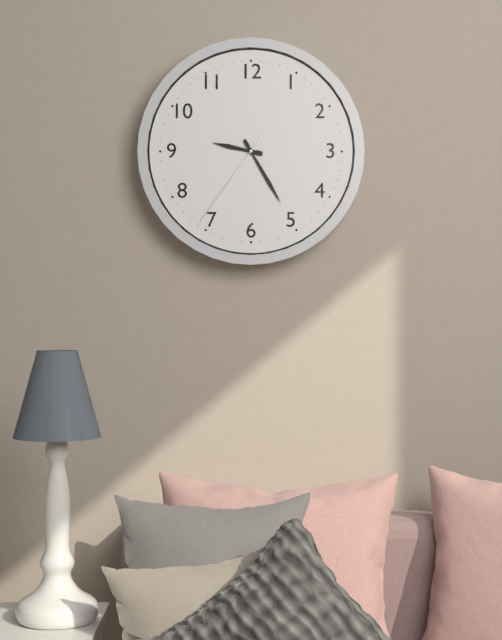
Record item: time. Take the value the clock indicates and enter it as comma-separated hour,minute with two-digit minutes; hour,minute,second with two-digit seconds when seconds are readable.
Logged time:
9,25,36
